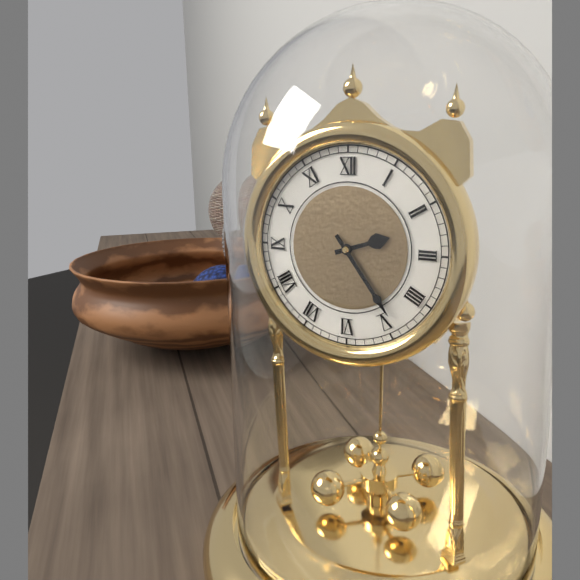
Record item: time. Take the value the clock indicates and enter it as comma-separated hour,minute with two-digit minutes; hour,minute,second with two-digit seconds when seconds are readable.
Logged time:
2,24
